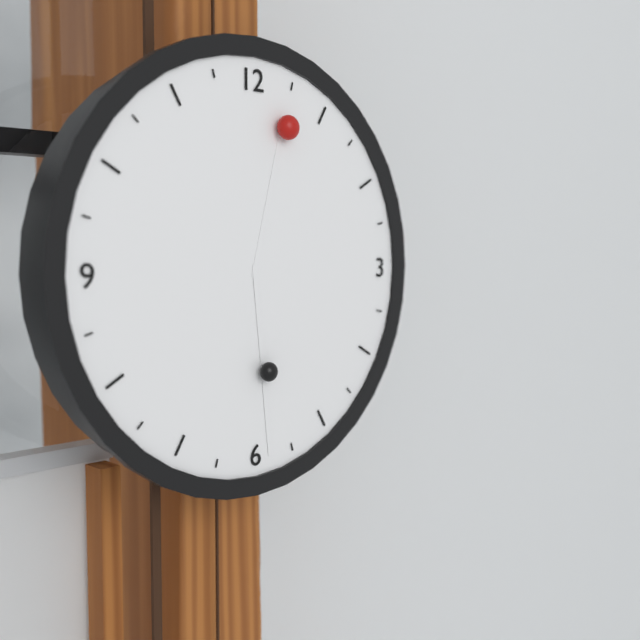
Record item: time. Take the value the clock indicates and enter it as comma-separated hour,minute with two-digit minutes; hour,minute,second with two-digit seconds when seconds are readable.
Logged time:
12,29
